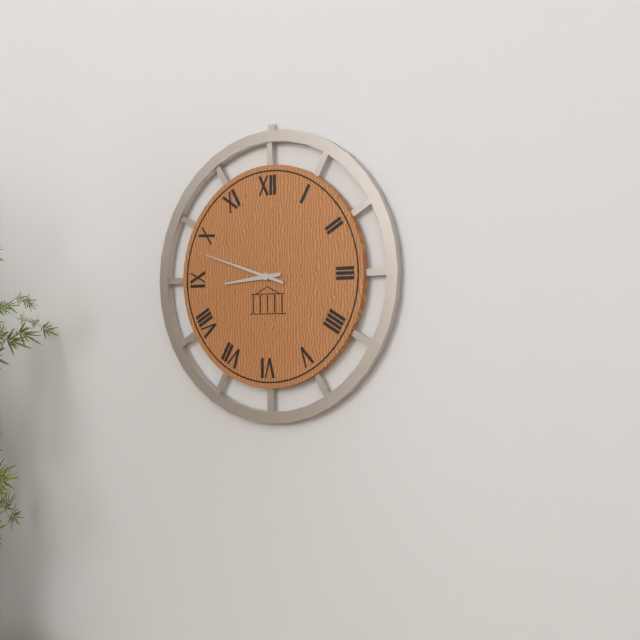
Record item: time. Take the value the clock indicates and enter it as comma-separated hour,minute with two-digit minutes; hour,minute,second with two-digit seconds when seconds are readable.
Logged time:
8,48
